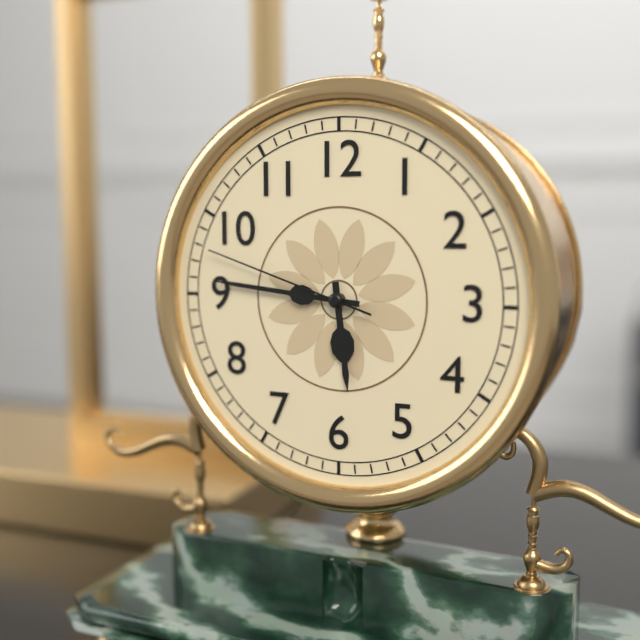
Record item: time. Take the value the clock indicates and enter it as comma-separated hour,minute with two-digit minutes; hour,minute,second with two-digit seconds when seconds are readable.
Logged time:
5,46,48
